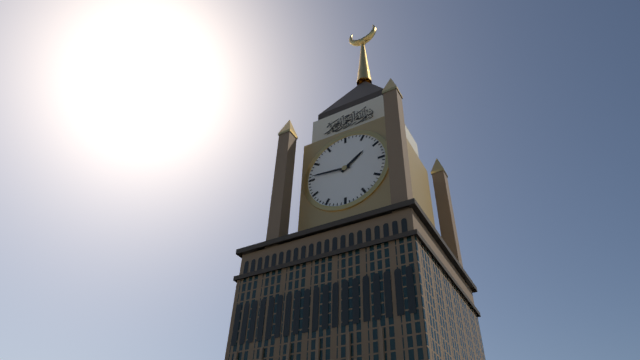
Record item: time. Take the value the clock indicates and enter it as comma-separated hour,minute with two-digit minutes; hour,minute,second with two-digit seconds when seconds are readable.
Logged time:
1,46
